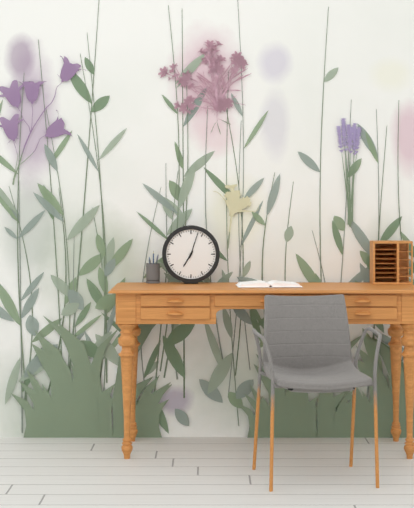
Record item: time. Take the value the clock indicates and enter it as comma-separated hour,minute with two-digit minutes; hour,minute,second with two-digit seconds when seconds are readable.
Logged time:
7,03
